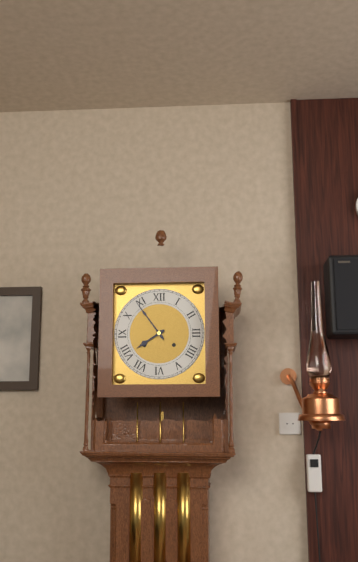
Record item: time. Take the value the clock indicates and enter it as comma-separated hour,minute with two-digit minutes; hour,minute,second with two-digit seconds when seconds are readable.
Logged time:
7,54
